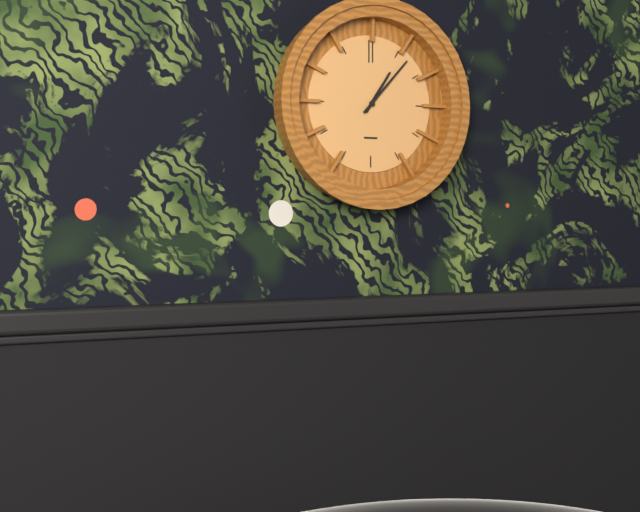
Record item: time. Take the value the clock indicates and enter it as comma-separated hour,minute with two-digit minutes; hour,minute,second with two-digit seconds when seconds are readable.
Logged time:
1,07
